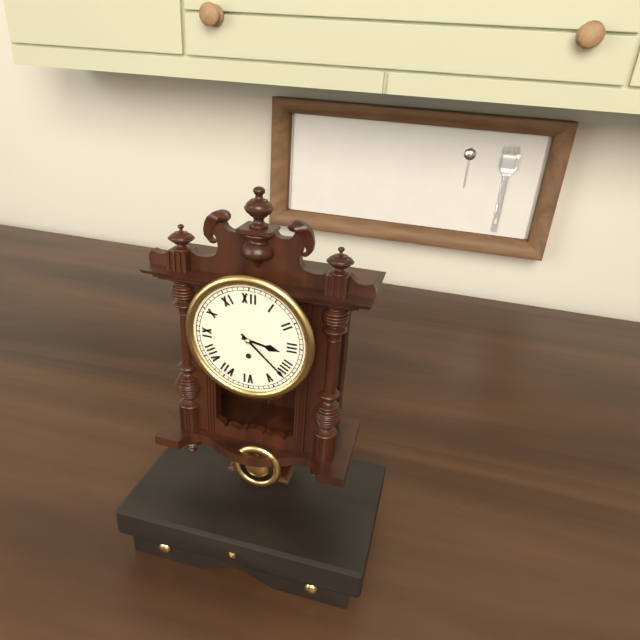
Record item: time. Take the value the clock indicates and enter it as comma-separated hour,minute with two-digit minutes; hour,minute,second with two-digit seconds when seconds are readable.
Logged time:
3,22
